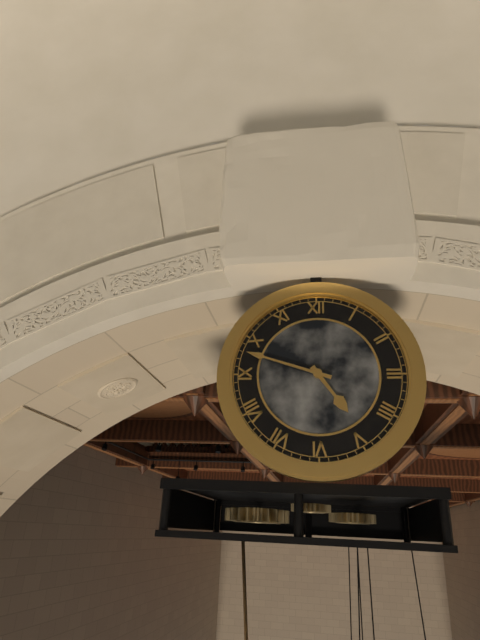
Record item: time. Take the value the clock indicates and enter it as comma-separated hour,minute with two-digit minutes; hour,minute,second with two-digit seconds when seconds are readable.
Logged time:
4,48
